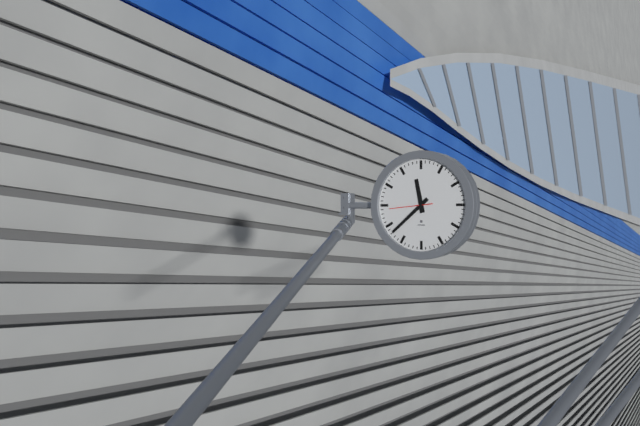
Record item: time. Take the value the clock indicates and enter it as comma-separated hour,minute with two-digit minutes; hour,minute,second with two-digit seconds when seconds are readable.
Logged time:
11,38
